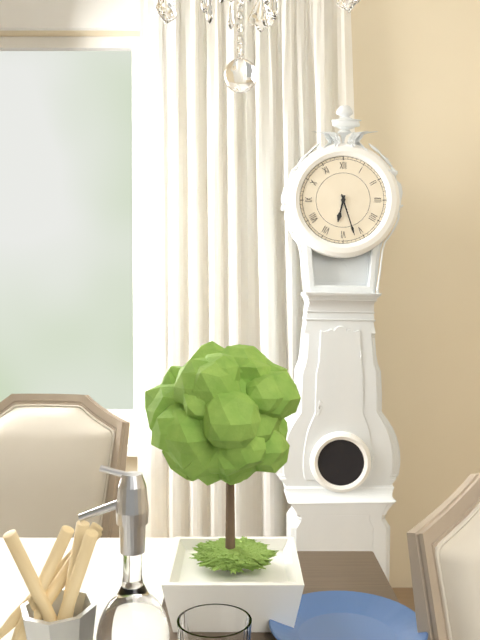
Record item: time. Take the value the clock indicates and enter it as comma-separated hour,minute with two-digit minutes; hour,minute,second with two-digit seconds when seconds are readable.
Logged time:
6,27
